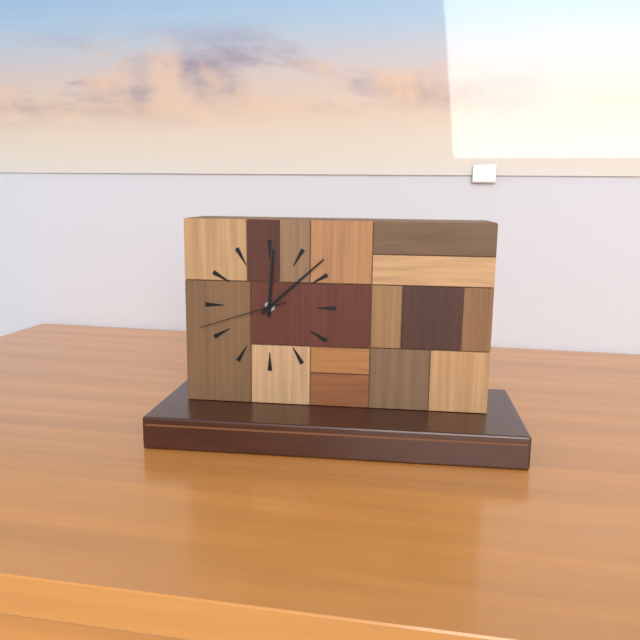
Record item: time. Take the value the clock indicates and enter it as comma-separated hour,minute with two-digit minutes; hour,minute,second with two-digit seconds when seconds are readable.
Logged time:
12,08,42
